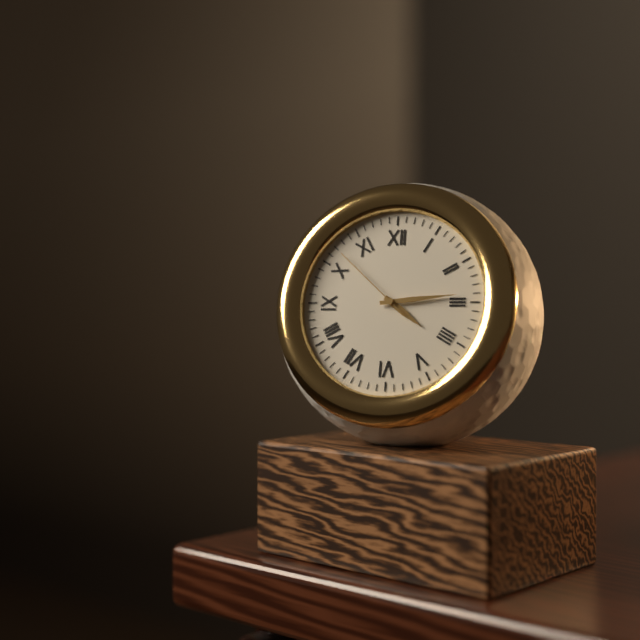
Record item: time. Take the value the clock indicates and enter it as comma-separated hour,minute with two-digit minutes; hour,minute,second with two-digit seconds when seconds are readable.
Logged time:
4,14,52
